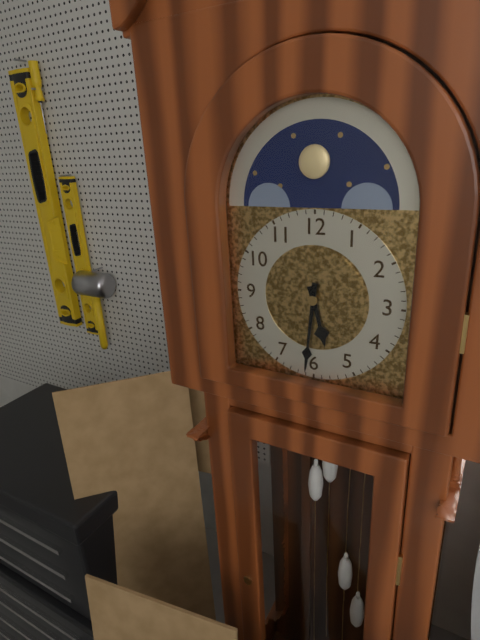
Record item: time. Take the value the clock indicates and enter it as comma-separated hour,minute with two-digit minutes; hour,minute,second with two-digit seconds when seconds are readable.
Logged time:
5,31
